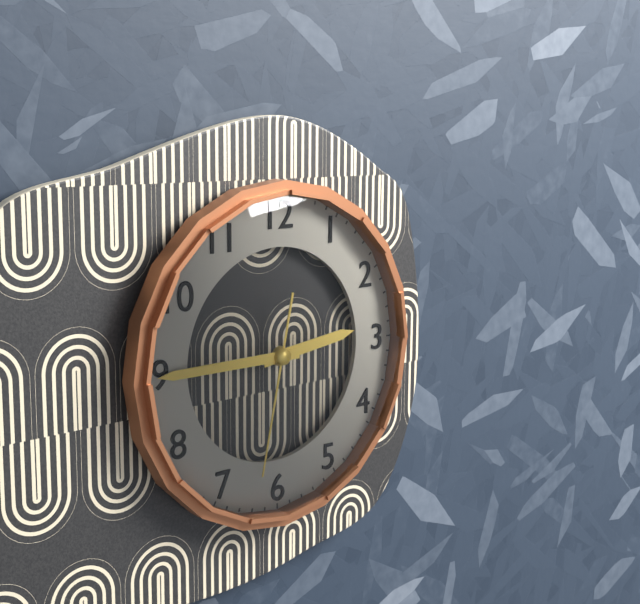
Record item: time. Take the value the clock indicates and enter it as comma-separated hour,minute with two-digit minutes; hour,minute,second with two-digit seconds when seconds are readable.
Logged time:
2,45,32
